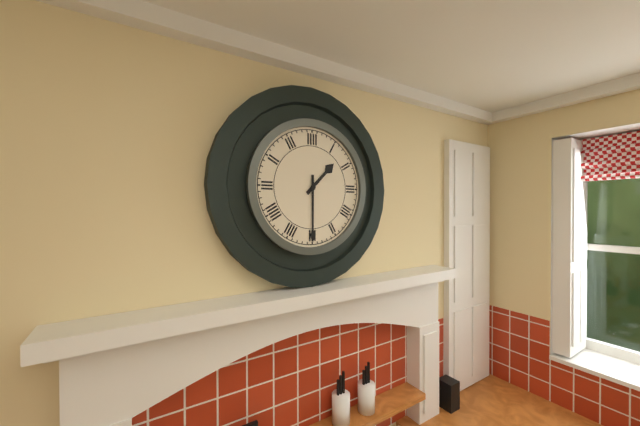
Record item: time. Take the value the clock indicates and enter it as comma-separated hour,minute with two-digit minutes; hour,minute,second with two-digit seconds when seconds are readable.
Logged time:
1,30
